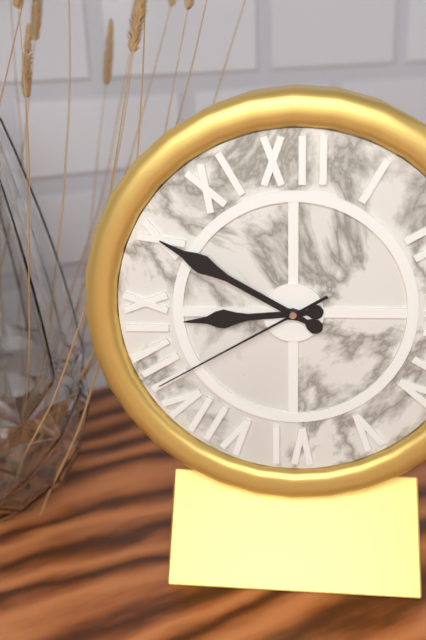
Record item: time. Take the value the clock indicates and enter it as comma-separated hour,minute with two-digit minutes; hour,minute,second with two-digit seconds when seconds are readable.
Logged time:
8,50,40
